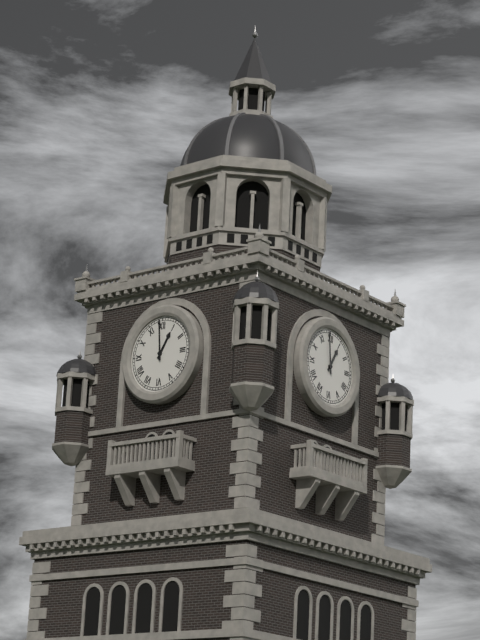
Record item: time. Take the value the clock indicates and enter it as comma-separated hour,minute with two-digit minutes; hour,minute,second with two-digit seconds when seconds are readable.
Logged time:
12,59
